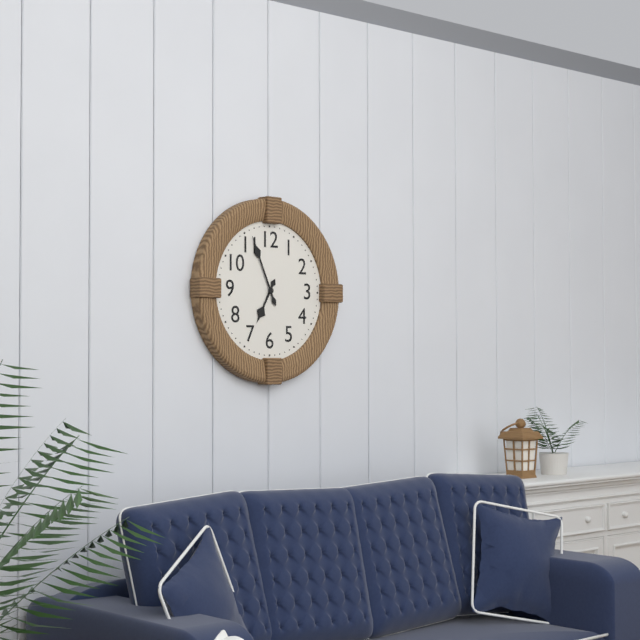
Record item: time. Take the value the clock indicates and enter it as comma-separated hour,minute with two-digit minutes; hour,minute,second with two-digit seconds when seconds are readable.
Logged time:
6,56
